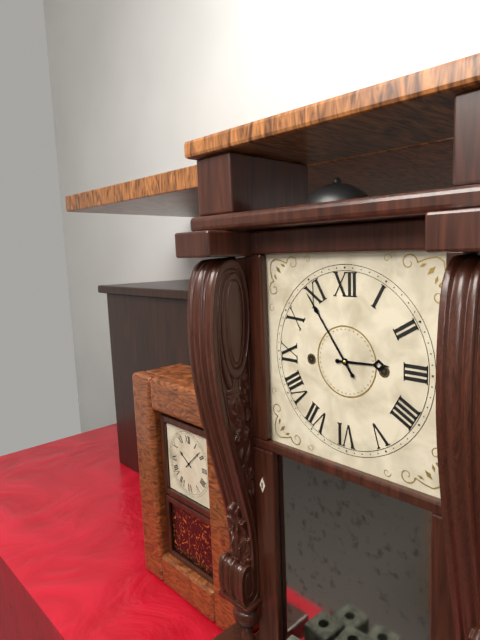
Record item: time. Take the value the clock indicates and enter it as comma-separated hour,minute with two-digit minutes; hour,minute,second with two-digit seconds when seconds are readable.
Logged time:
2,54
